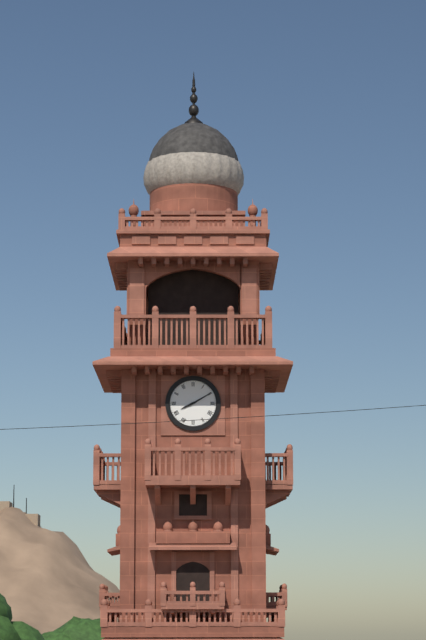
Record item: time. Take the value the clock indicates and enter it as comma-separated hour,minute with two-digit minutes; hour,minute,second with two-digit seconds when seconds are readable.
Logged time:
8,10
